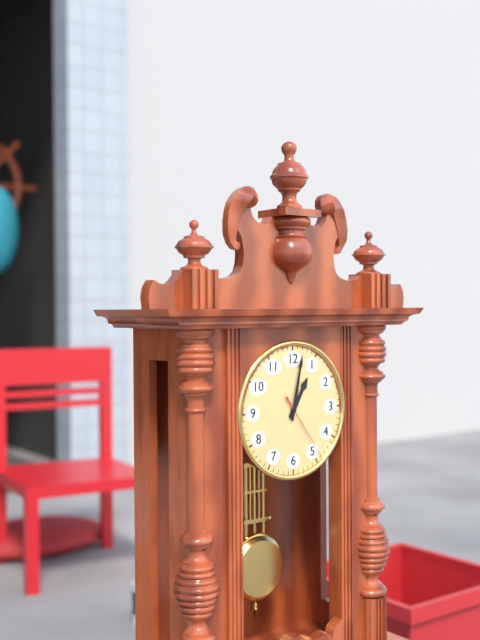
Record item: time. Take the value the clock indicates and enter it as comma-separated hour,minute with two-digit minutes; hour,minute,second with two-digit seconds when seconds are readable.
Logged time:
1,02,24
